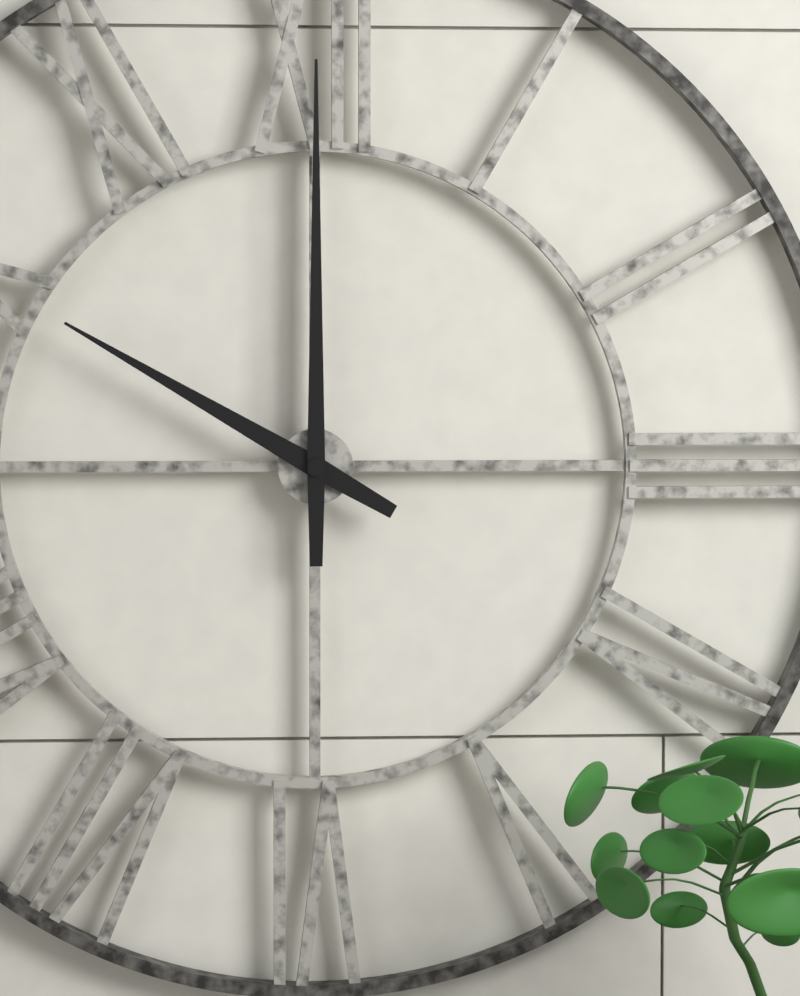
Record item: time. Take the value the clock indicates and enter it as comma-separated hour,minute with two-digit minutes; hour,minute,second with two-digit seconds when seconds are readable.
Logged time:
10,00
